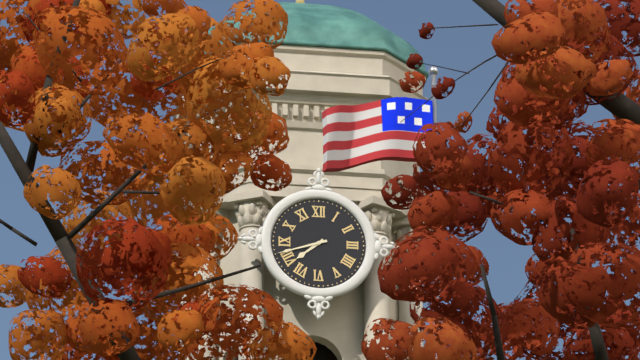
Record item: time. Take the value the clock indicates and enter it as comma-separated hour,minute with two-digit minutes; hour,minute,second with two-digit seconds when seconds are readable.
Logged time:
7,42
